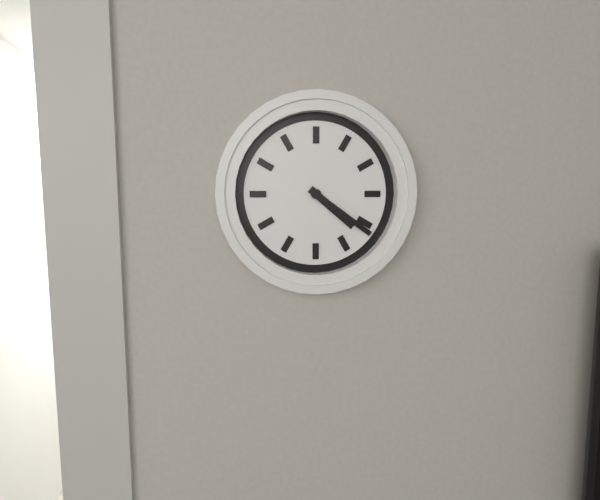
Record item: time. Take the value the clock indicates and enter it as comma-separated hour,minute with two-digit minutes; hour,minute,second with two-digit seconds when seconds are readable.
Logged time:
4,21
